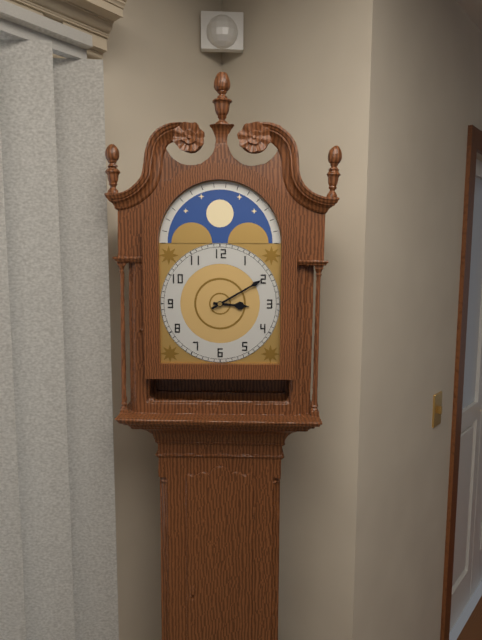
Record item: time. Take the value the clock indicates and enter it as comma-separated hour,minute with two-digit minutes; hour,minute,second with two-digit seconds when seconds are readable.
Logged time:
3,10
